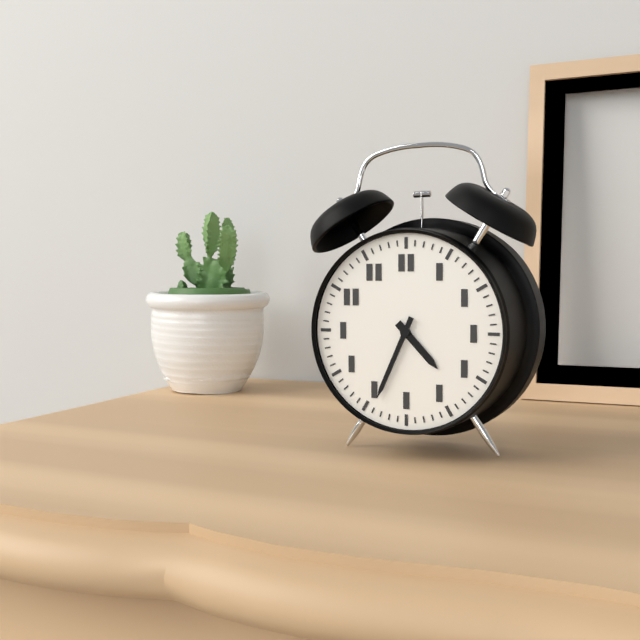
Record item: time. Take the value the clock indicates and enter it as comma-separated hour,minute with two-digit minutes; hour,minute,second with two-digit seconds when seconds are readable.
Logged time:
4,34
